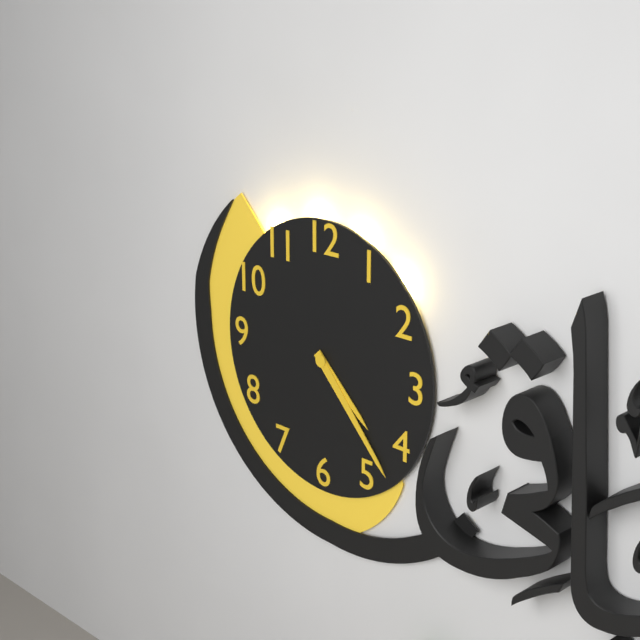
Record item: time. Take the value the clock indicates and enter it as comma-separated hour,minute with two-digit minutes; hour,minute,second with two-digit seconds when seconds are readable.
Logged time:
4,23
